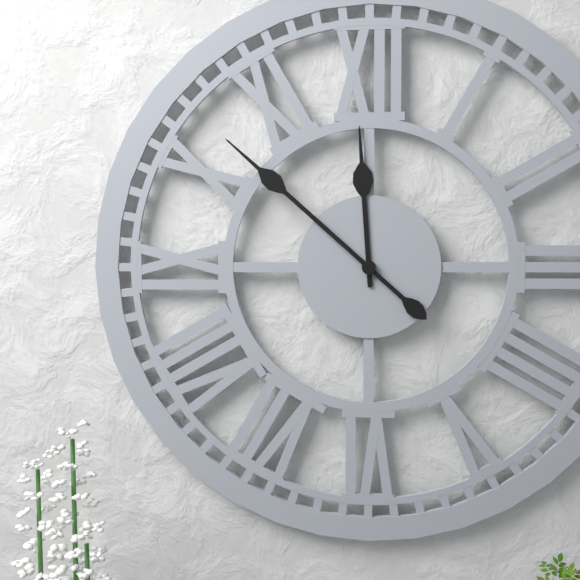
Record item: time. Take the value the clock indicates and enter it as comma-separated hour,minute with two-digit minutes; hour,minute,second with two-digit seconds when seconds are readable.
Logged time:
11,52
